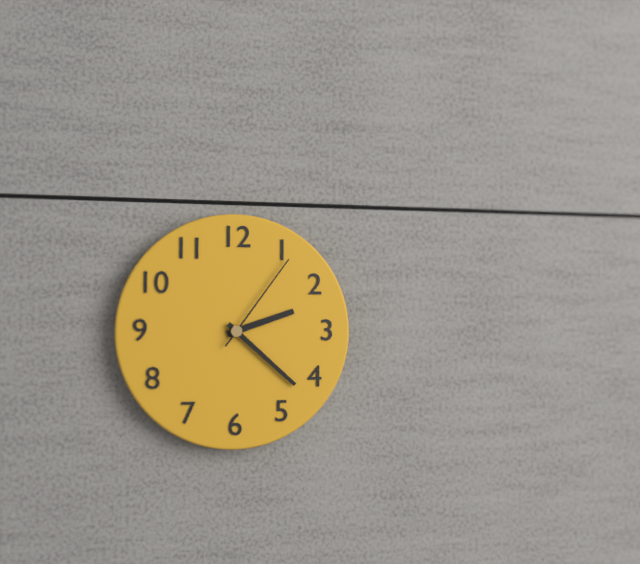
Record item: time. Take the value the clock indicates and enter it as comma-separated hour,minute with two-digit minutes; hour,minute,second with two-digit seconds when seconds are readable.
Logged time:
2,22,06
